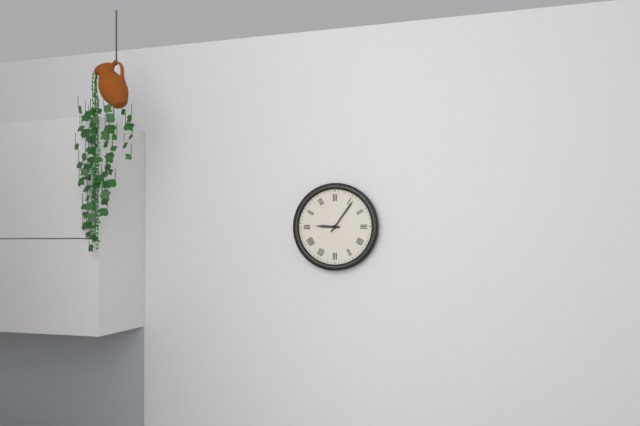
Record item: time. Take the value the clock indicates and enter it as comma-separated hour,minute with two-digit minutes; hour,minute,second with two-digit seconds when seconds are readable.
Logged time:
9,06
